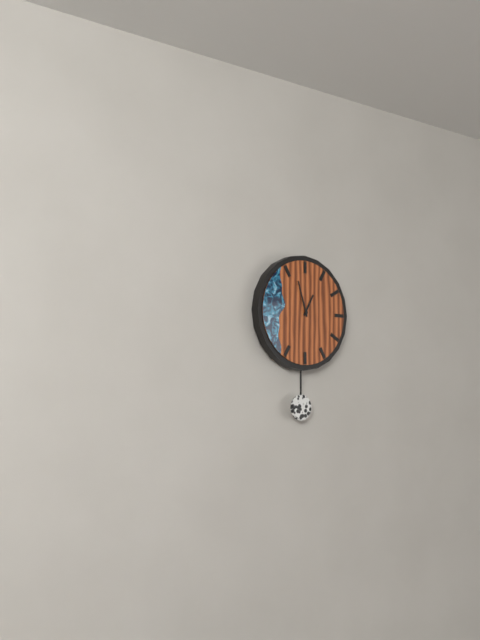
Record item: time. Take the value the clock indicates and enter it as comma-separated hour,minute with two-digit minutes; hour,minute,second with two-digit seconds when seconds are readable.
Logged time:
12,57
